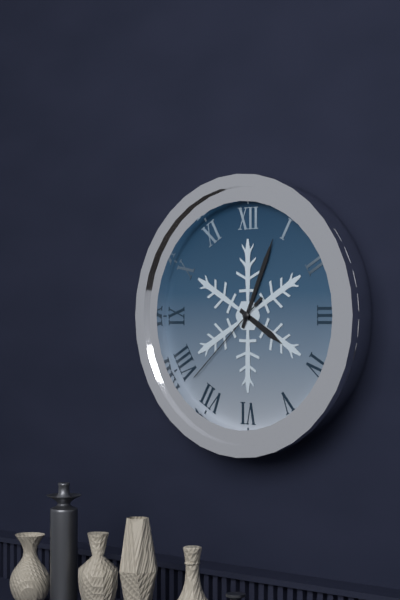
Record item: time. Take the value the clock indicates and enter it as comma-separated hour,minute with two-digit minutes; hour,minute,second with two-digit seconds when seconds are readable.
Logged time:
4,04,38
